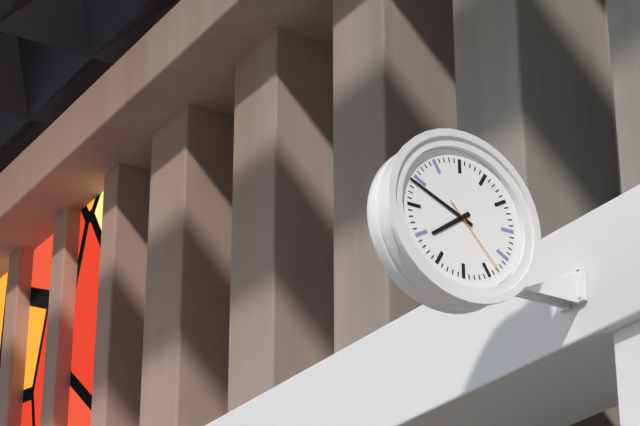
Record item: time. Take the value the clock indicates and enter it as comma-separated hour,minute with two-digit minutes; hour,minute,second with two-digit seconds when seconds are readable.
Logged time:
7,49,23
